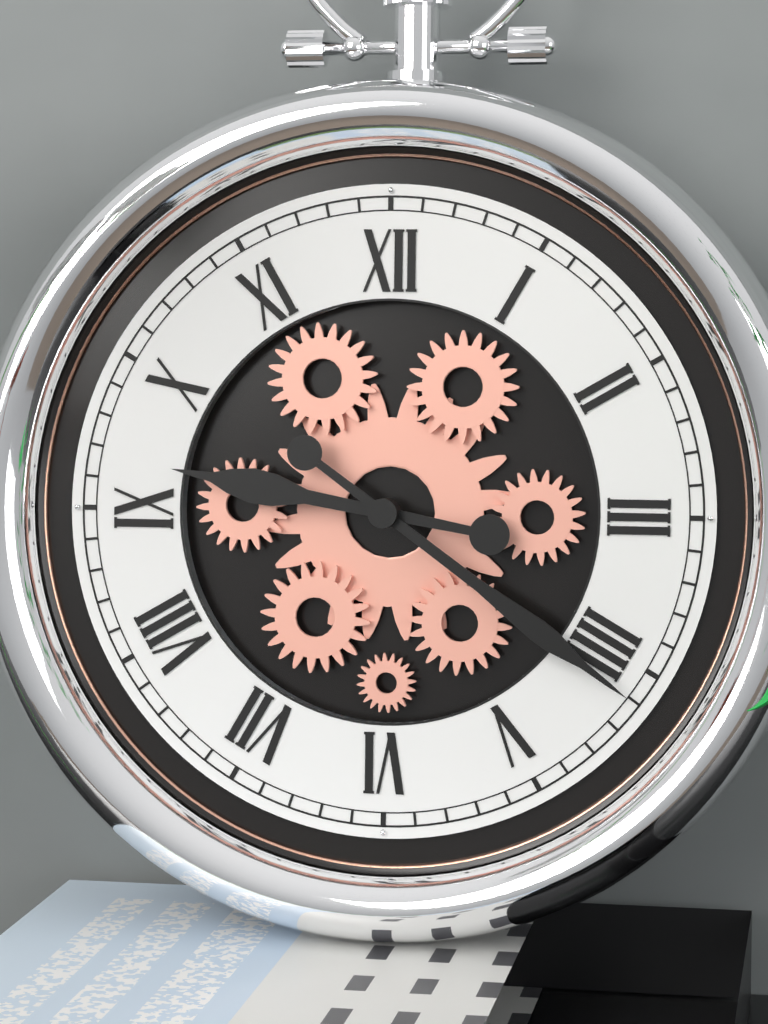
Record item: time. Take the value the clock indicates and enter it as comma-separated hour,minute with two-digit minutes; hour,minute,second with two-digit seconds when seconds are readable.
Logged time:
9,21
